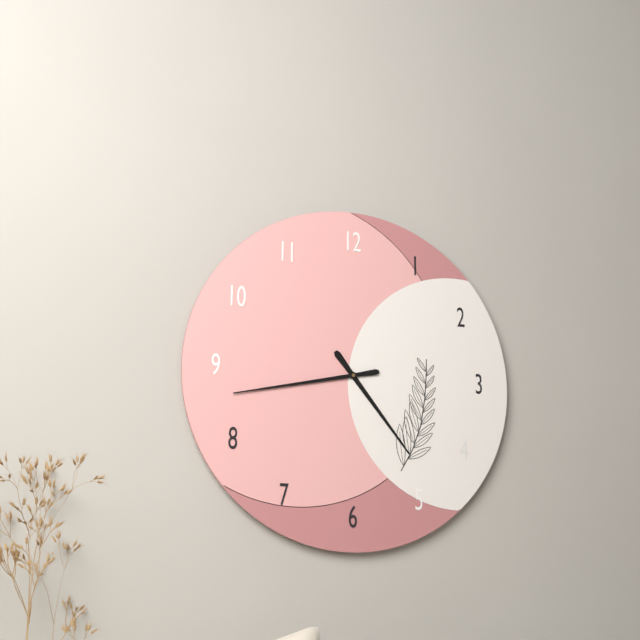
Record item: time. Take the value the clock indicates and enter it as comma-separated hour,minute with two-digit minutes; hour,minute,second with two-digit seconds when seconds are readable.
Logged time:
4,43
